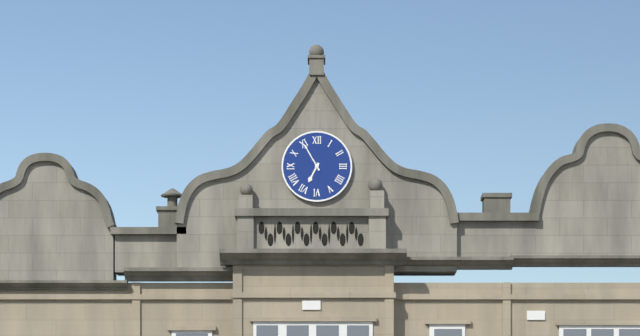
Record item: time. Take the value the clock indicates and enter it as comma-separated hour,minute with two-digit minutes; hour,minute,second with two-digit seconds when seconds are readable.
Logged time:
6,55
